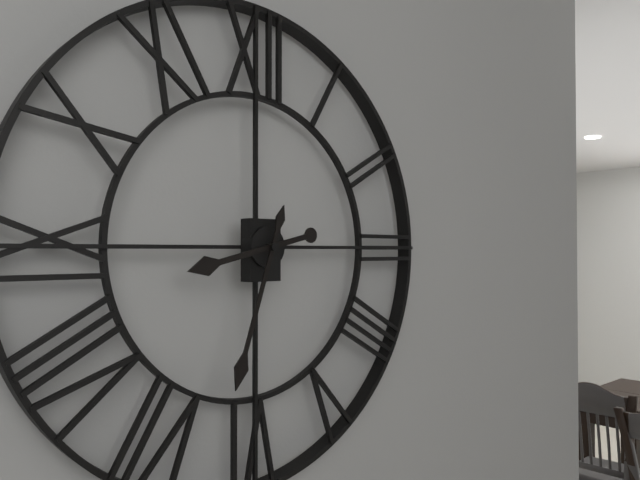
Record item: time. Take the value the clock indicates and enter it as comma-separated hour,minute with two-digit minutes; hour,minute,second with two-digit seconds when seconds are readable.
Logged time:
8,33
